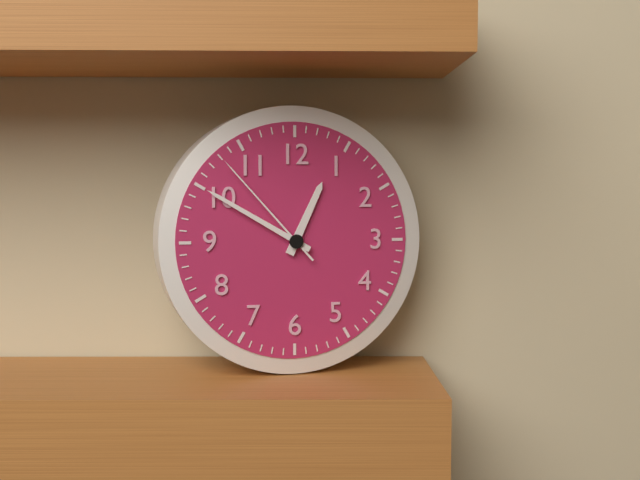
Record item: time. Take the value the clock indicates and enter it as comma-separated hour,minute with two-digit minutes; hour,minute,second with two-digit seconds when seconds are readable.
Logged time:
12,50,53
